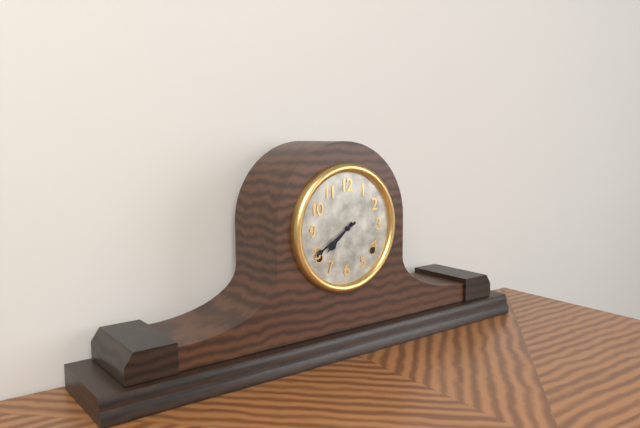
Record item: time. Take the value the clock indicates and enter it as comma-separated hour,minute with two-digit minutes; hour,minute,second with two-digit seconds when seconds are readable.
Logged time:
7,40
